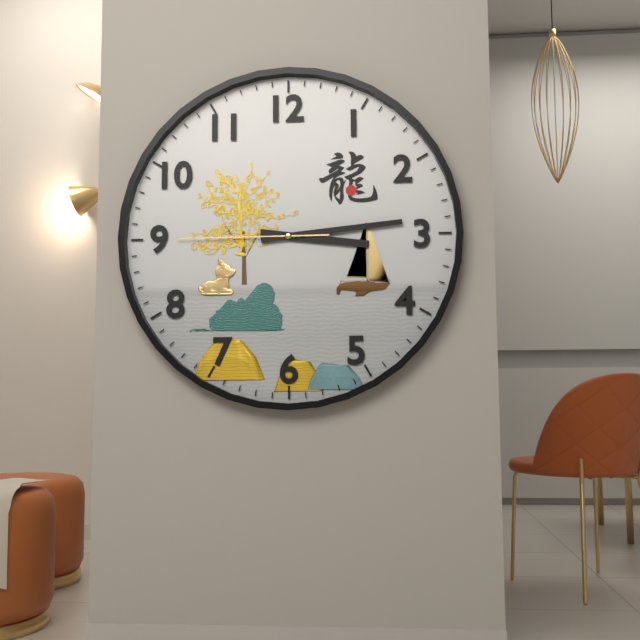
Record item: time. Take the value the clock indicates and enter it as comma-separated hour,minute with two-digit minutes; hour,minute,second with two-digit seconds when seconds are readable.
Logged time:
3,14,45
